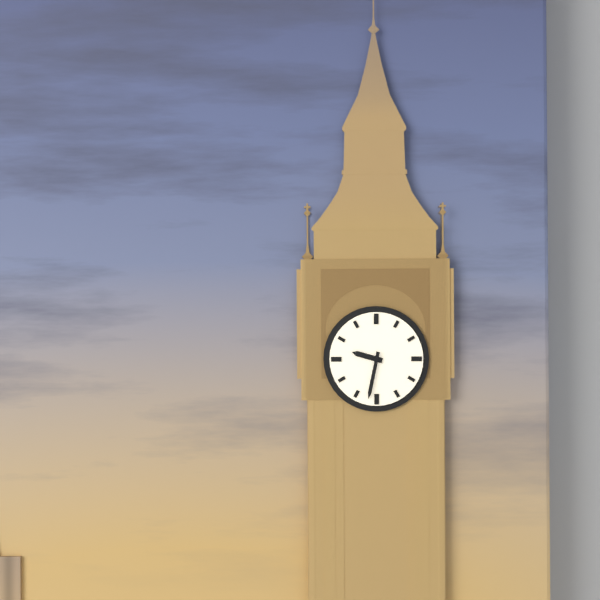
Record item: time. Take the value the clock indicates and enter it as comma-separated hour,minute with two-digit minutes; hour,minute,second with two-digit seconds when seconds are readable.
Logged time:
9,32
